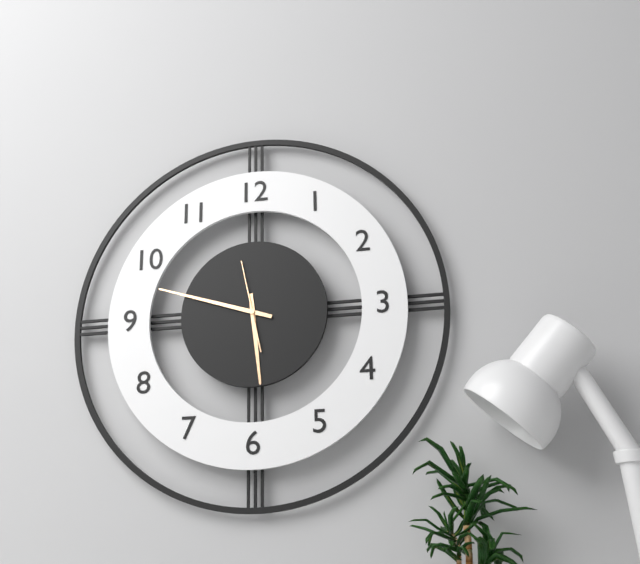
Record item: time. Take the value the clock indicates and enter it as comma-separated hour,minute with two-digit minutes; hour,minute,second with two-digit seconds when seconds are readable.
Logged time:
5,48,58
